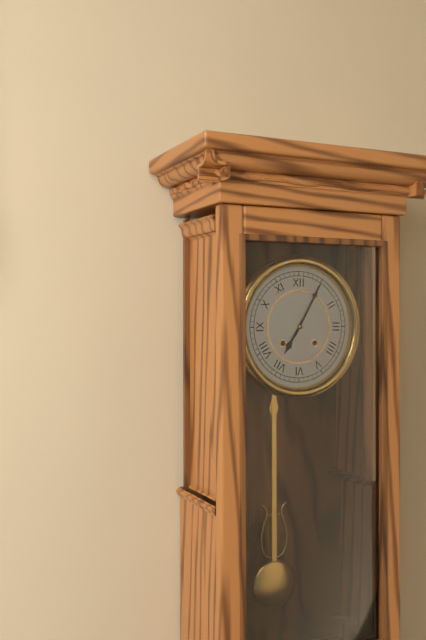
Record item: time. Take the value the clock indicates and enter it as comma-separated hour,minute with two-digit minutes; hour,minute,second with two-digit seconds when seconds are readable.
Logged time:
7,05
